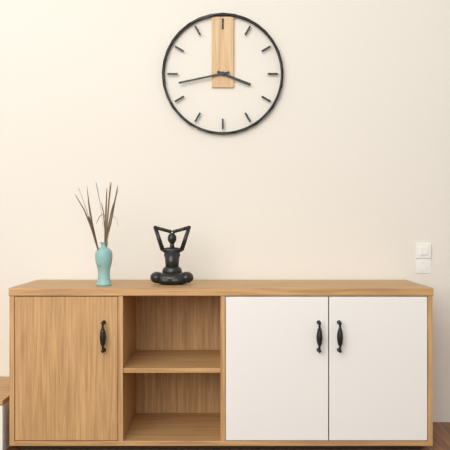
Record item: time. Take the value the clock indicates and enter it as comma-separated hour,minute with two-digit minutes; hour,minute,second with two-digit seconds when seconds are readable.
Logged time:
3,43
